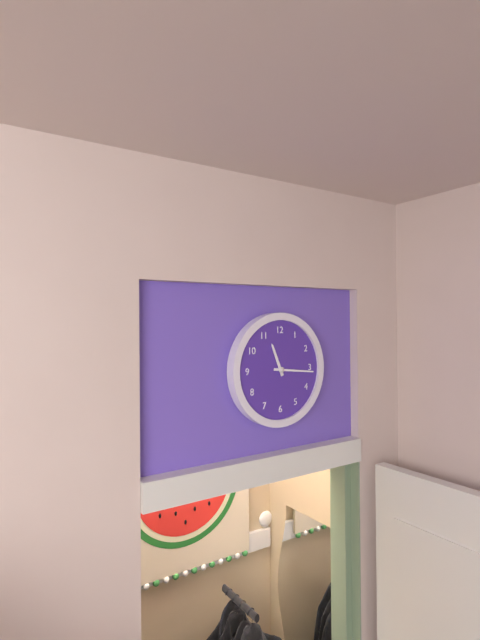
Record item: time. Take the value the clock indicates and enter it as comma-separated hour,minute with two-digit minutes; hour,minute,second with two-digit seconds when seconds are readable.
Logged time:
11,16
